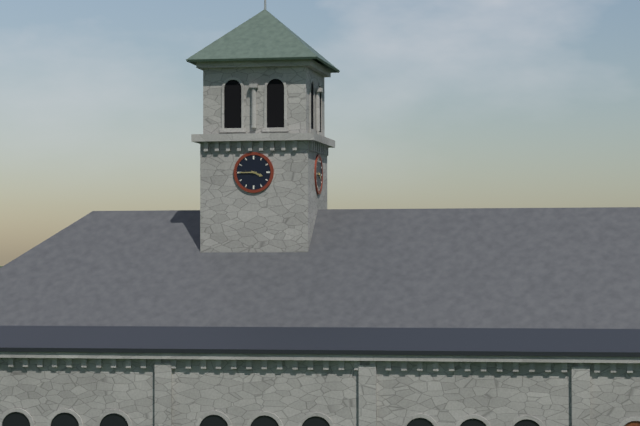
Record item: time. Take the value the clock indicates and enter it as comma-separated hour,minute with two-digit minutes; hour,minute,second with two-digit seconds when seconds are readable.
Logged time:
3,45
